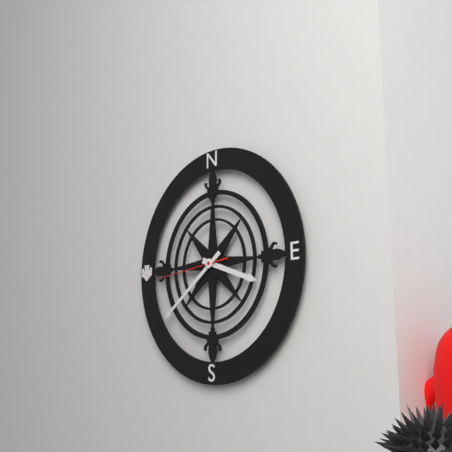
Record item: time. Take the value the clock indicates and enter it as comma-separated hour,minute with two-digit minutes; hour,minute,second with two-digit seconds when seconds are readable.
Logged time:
3,39,44
